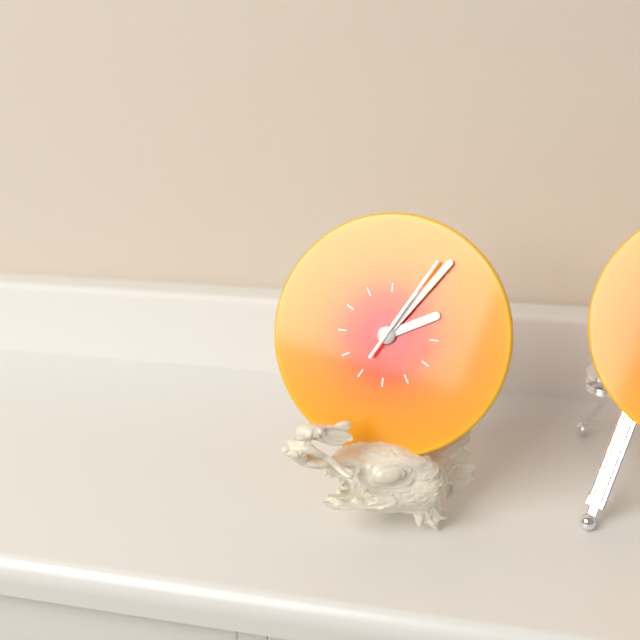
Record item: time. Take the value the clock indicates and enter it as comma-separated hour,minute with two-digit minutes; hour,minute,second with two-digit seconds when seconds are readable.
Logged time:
2,06,05
